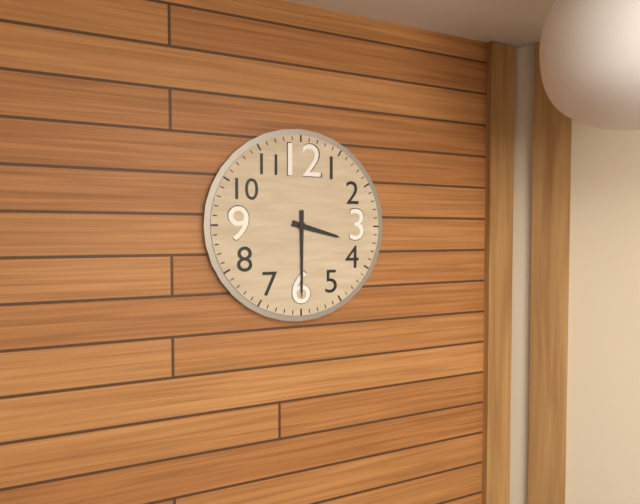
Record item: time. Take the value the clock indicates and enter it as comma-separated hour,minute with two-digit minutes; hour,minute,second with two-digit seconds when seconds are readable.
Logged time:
3,30
